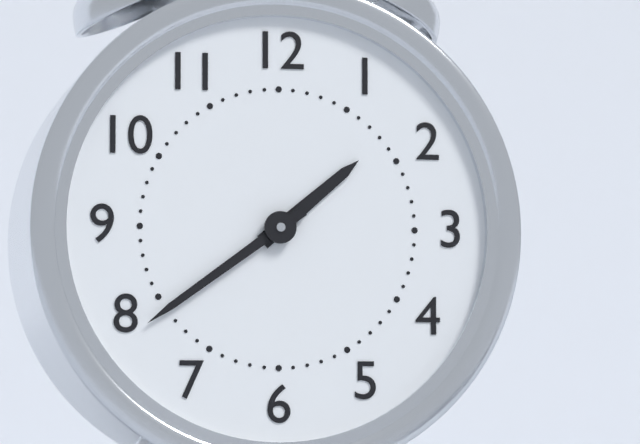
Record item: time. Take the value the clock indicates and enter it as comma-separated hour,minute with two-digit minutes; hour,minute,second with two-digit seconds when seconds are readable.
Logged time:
1,39
